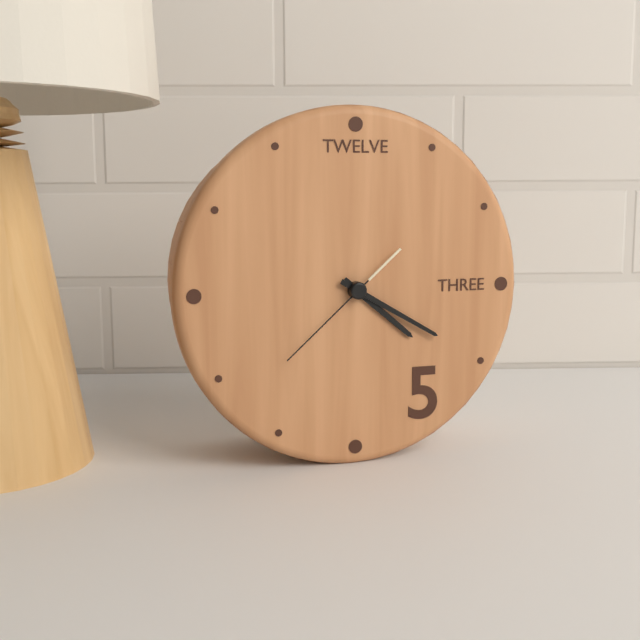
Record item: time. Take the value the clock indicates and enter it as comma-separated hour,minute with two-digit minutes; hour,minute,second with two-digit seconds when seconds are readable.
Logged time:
4,20,38
